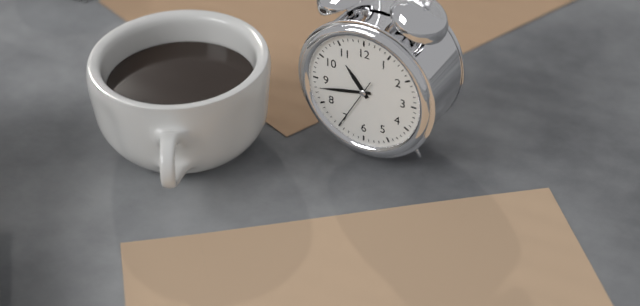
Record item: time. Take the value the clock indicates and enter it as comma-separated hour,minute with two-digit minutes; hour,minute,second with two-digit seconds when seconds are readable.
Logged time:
10,43,35
